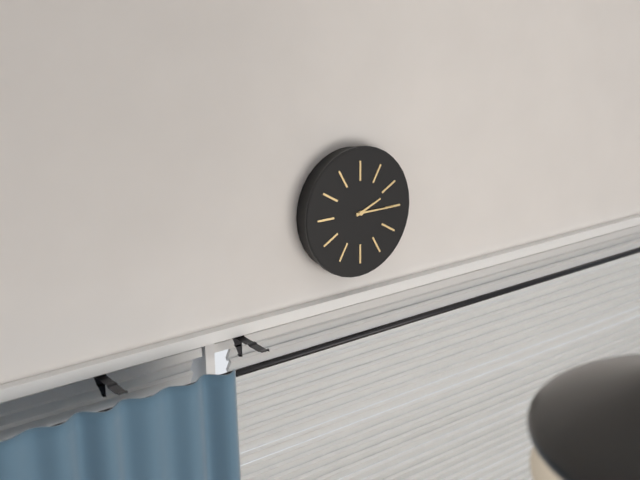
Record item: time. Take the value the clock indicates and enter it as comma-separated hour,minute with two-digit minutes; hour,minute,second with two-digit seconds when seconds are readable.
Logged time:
2,15
